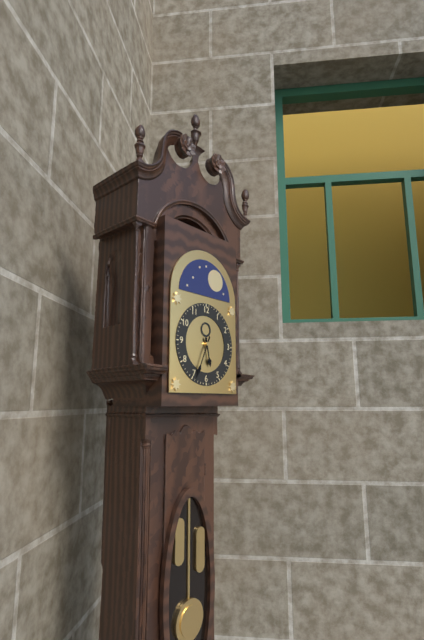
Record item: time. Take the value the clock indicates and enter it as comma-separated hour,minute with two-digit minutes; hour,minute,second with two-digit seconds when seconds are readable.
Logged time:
5,34
